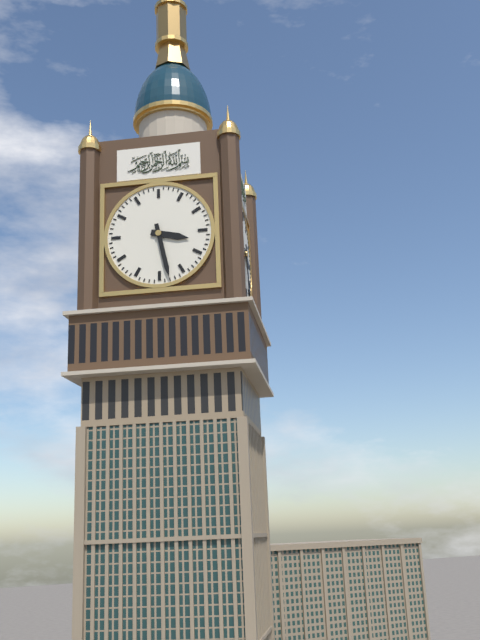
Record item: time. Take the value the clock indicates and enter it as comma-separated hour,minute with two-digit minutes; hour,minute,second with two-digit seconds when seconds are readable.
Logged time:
3,28
